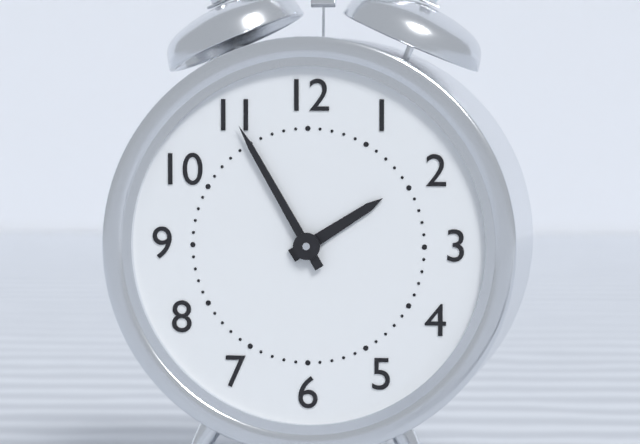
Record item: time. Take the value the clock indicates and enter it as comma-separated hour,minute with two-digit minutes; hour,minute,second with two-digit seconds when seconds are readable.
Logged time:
1,55
